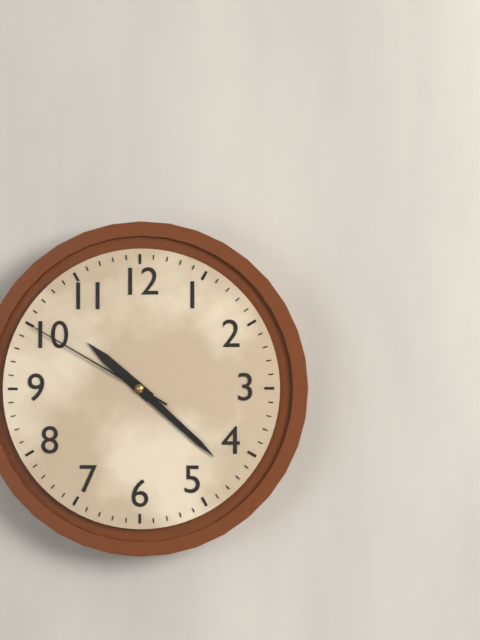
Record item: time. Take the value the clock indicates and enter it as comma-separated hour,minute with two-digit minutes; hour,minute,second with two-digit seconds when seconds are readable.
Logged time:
10,22,50
